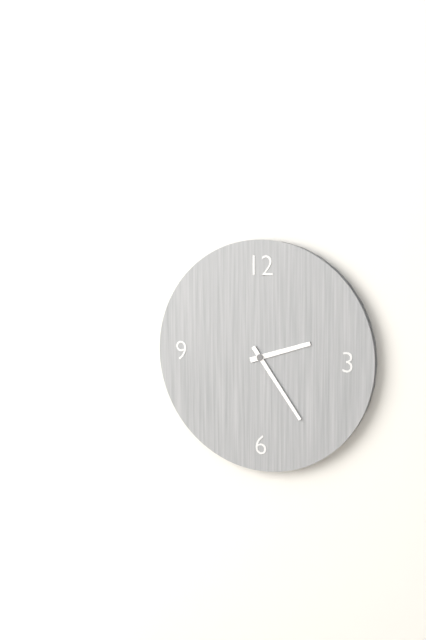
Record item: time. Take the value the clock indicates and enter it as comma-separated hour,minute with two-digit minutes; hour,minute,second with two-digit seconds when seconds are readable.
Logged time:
2,24
